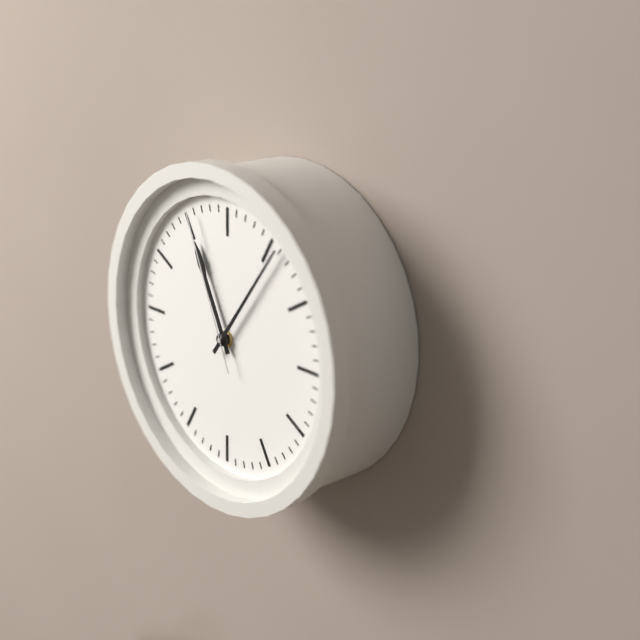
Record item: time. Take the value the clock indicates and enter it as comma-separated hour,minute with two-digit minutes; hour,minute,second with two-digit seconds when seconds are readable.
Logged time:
11,06,56
